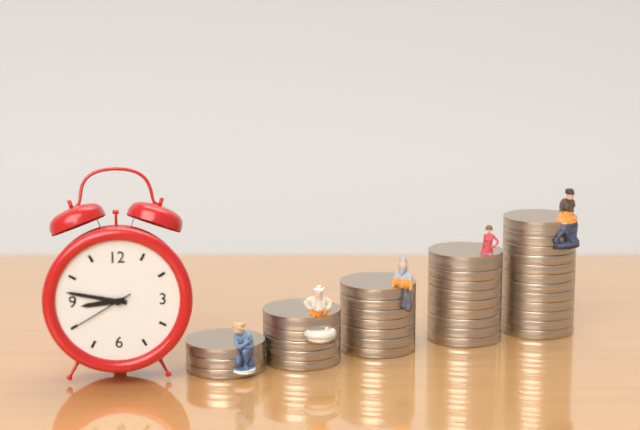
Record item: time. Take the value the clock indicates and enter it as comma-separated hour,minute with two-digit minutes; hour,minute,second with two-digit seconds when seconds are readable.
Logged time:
8,47,40
